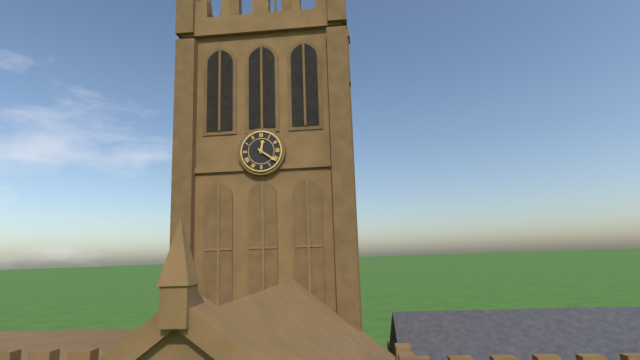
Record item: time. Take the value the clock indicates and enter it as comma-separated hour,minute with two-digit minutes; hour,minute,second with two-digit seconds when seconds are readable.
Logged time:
12,21
